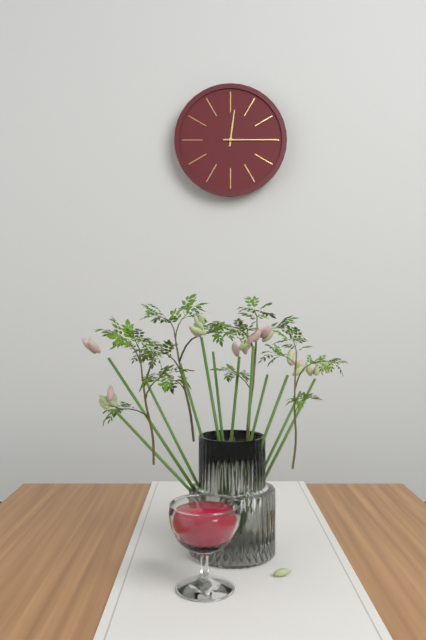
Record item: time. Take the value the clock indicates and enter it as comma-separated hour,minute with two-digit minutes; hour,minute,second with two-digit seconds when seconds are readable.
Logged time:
12,15
